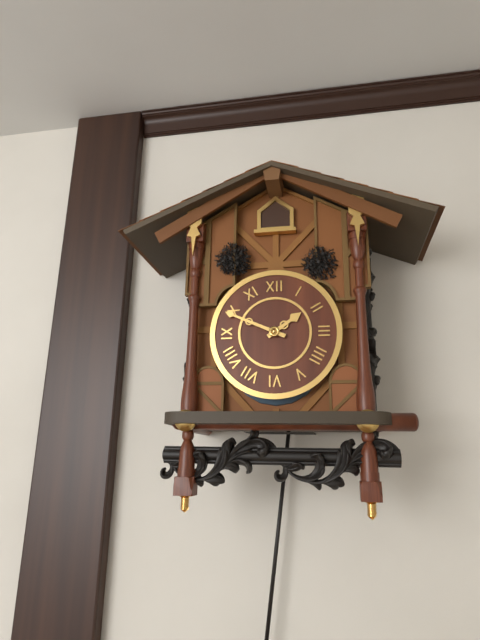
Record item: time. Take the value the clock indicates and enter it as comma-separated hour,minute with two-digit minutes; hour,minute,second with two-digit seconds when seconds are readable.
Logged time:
1,49
